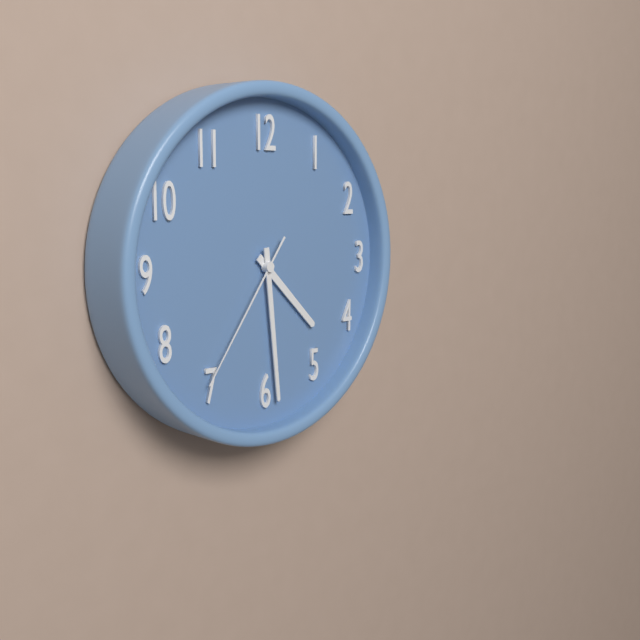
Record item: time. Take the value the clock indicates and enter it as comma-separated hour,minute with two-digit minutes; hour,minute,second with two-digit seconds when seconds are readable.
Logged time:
4,29,36
